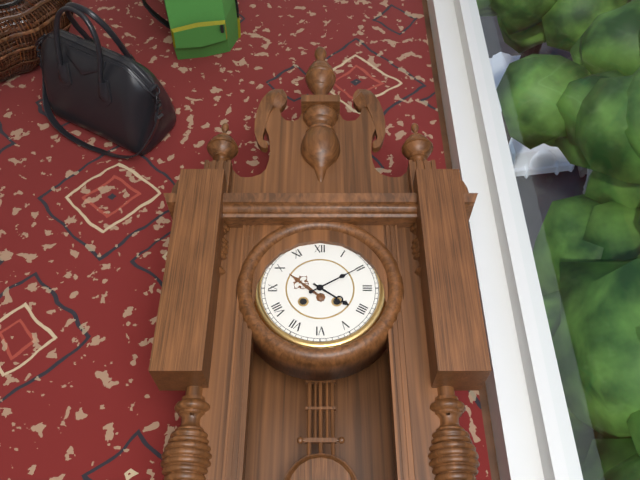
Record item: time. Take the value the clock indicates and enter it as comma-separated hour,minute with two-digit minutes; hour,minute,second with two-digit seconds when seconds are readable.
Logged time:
4,10
